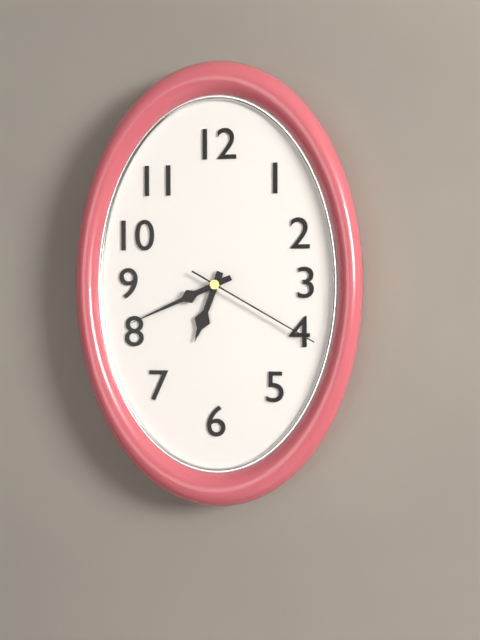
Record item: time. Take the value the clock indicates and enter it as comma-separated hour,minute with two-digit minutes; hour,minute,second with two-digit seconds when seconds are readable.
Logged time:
6,41,20
